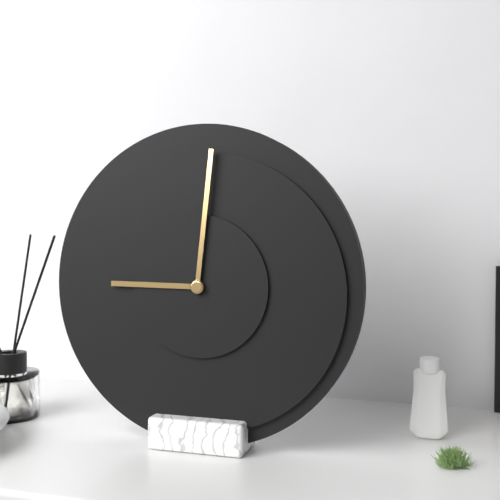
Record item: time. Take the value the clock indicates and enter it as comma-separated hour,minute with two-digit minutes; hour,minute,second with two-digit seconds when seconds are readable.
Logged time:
9,01
